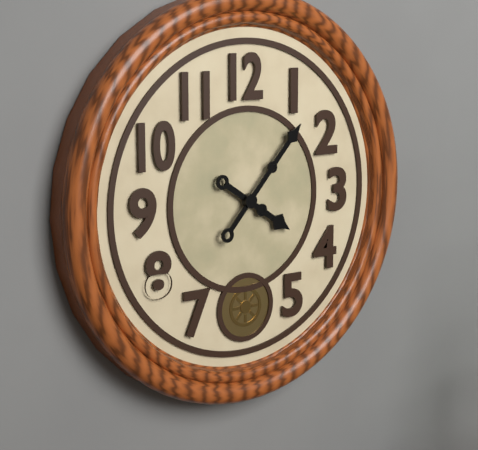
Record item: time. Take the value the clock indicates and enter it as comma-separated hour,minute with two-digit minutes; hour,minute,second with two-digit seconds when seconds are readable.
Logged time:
4,07
